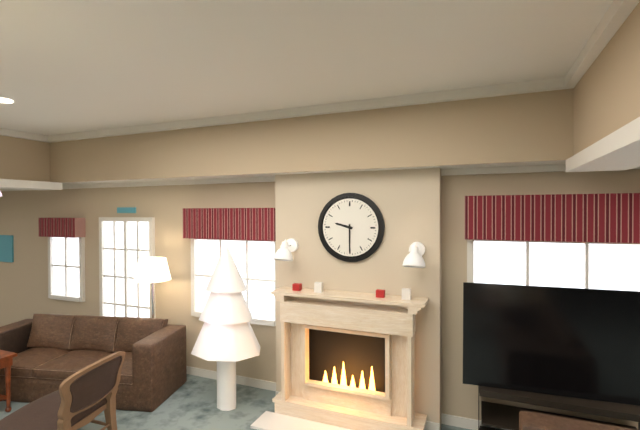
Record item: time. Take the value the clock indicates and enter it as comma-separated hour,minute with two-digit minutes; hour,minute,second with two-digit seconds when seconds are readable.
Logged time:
9,30
